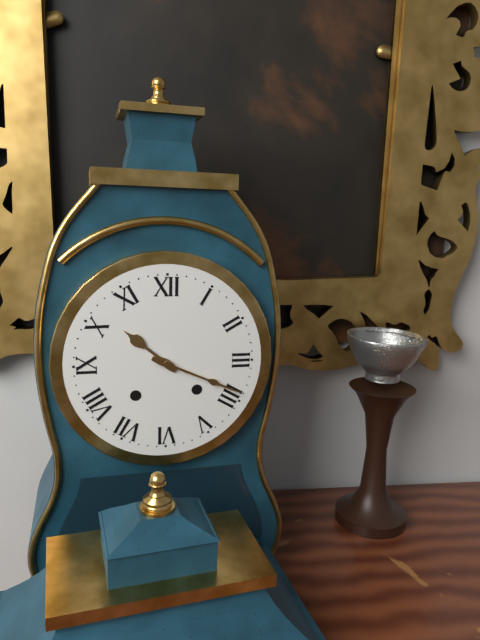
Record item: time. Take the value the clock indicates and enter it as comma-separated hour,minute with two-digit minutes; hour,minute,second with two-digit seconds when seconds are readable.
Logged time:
10,19
